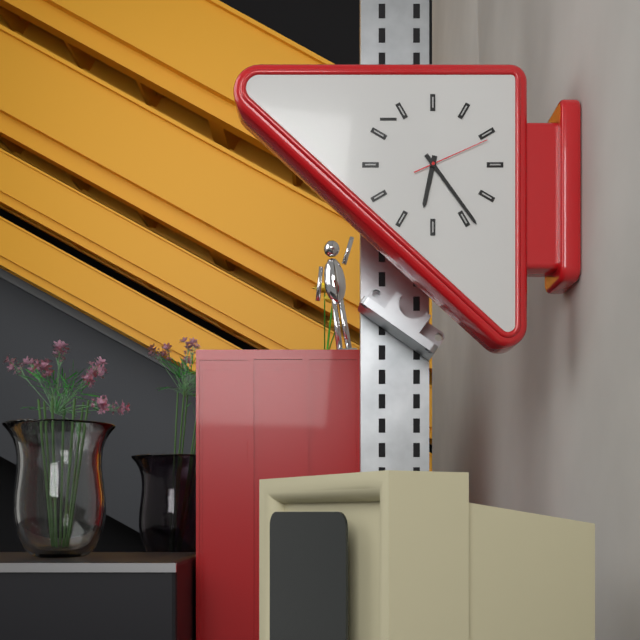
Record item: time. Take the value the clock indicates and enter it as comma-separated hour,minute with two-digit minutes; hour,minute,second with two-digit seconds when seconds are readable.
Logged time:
6,24,11
